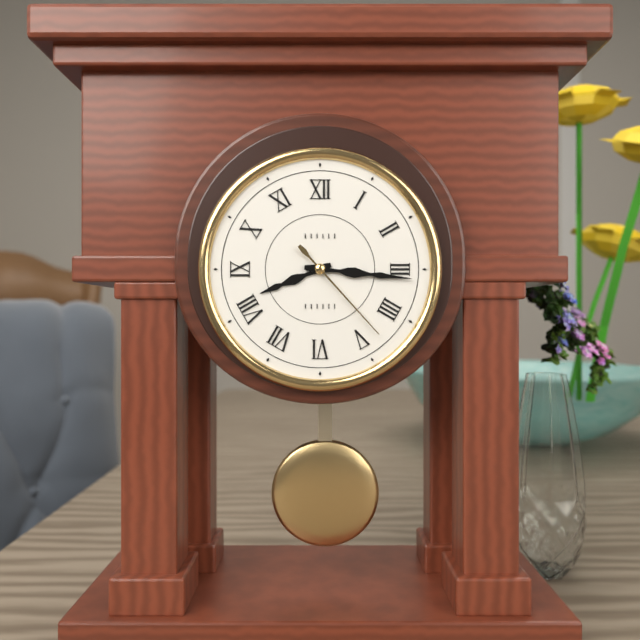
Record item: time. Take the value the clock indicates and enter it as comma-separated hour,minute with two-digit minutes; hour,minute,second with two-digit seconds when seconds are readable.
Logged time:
8,16,23
